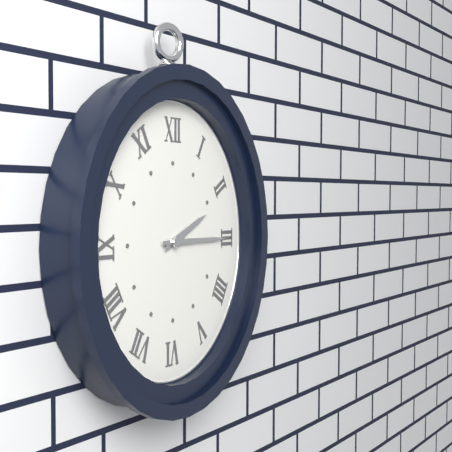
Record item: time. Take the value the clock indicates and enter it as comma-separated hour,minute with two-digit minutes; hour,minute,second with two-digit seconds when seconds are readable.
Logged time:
2,15
